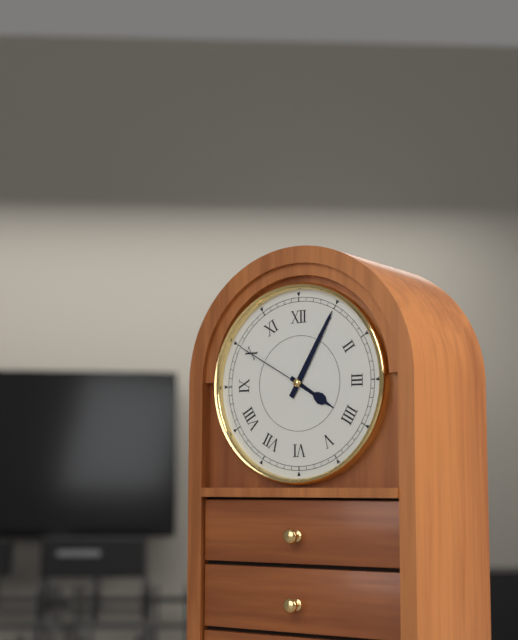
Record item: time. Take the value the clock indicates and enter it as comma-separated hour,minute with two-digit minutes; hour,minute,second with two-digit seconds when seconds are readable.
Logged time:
4,05,50
